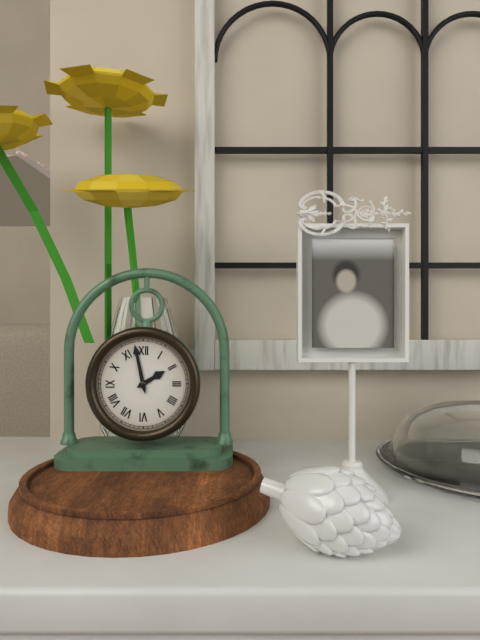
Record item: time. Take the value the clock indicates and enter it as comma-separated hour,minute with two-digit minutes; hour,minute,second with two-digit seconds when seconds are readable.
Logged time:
1,58
